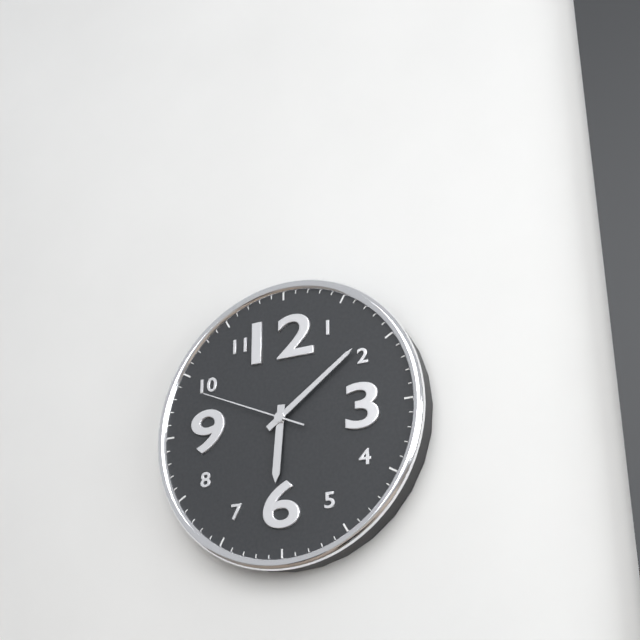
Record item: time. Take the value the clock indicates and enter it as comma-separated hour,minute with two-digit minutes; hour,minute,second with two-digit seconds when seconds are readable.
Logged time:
6,09,49
